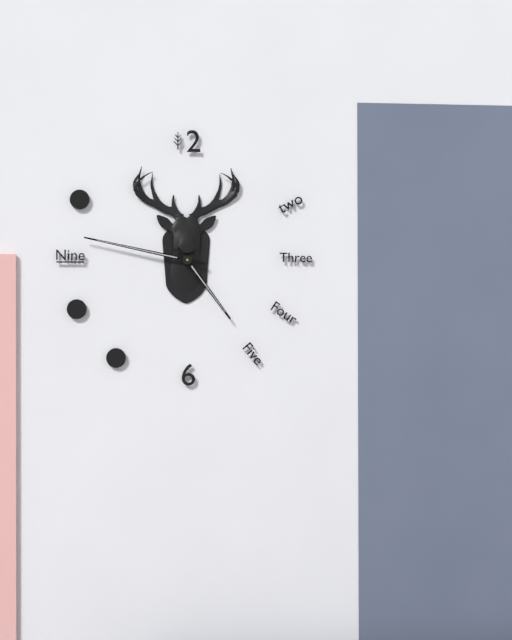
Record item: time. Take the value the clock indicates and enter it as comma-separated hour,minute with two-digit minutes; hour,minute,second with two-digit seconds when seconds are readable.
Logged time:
4,47
